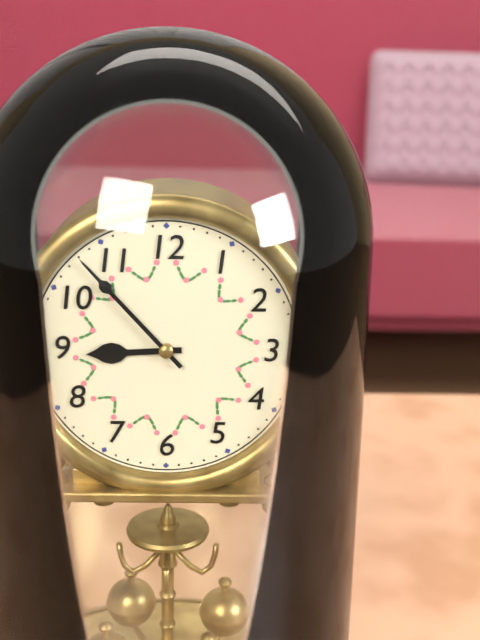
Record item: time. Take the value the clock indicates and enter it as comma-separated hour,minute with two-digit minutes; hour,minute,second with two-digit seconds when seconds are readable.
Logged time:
8,53
